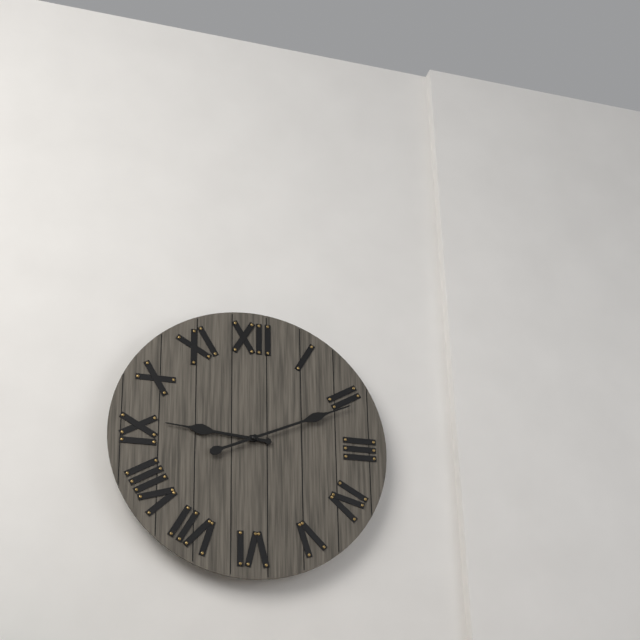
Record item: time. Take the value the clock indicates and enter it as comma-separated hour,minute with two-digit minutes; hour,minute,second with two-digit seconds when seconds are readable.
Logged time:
9,11
